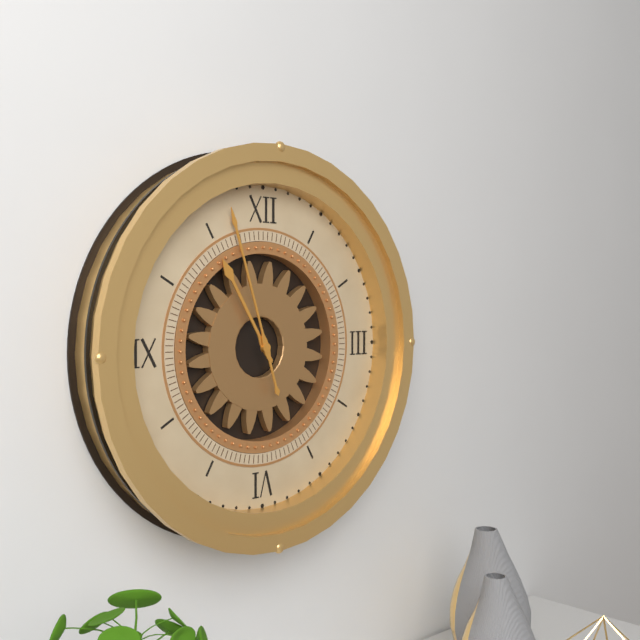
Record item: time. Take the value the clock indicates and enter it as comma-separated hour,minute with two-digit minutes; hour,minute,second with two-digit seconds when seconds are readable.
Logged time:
10,57
